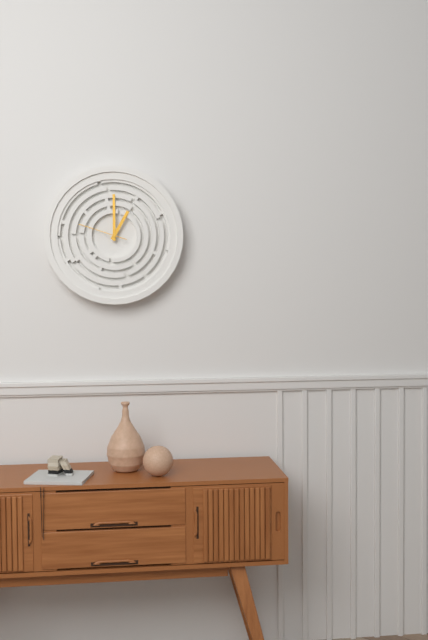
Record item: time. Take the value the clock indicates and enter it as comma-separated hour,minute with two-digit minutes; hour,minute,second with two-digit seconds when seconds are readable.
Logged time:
1,00
